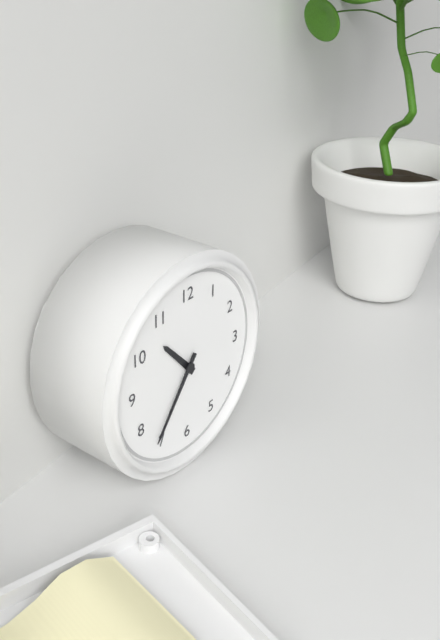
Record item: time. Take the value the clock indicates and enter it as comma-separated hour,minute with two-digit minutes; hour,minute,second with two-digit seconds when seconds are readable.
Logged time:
10,36
